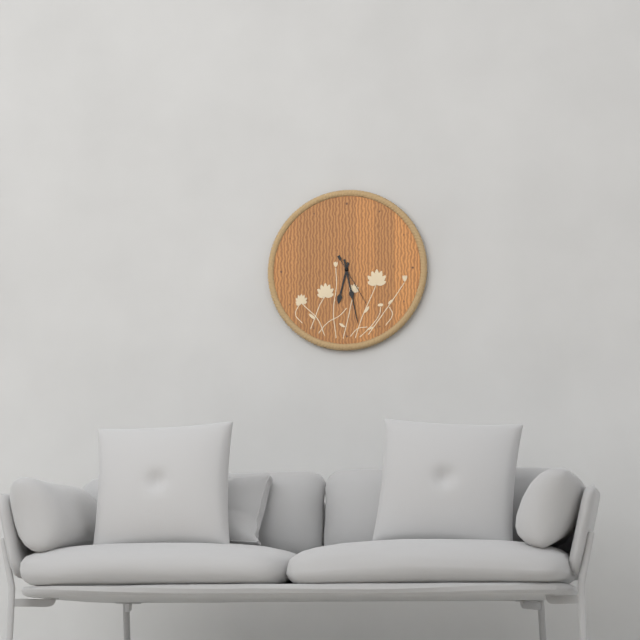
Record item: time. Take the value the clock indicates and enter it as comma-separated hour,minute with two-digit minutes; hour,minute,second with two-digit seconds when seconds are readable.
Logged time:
6,28
